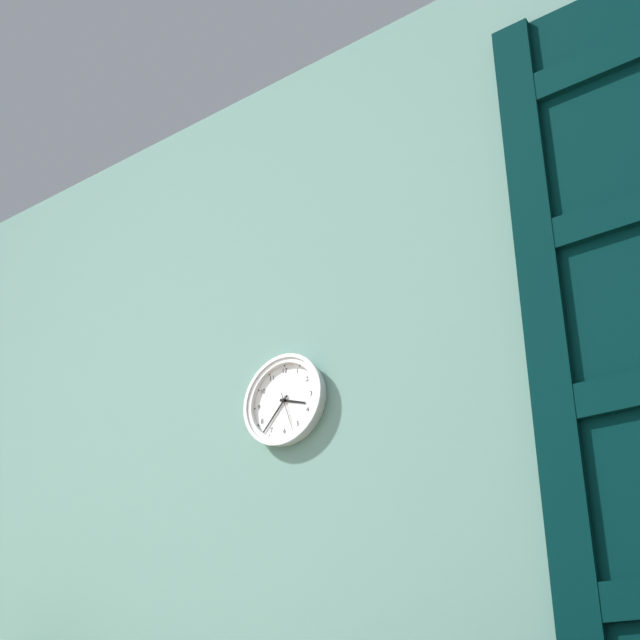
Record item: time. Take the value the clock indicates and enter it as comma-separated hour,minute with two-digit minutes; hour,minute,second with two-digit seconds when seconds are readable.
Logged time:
3,37
